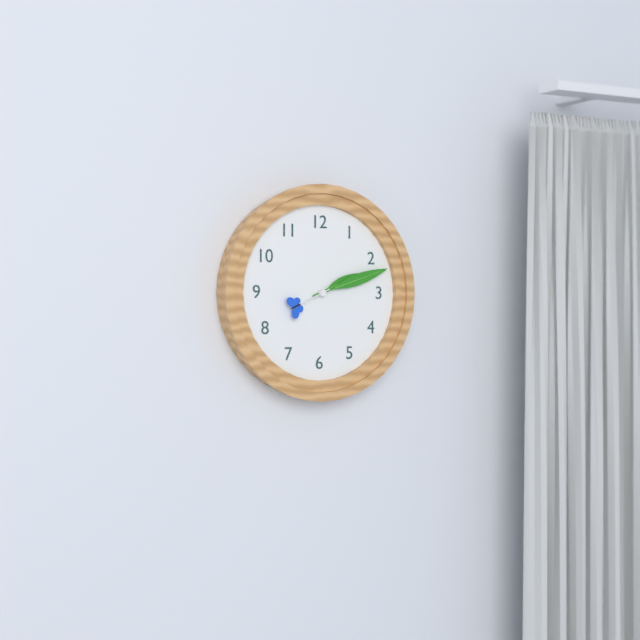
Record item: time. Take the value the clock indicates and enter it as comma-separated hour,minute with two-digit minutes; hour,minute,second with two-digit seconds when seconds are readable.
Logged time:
2,12
